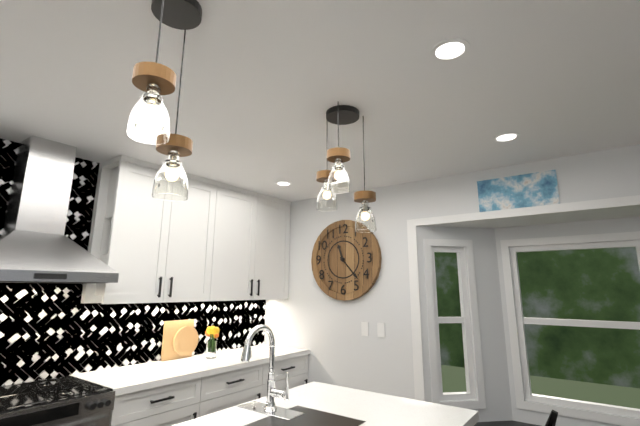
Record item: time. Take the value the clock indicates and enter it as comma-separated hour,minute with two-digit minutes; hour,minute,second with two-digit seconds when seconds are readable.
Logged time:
11,23
